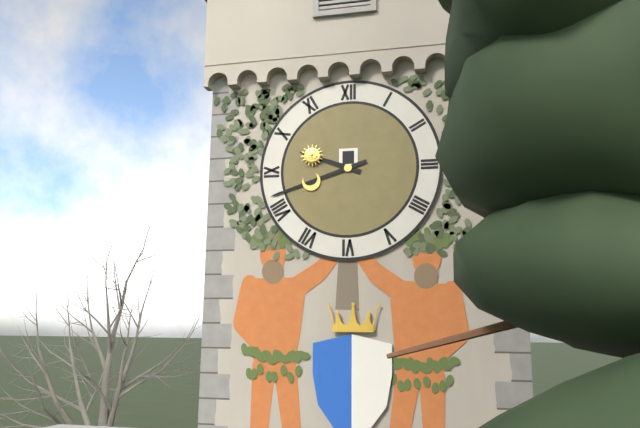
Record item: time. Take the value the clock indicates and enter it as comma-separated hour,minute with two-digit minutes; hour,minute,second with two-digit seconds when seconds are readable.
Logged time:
9,42
